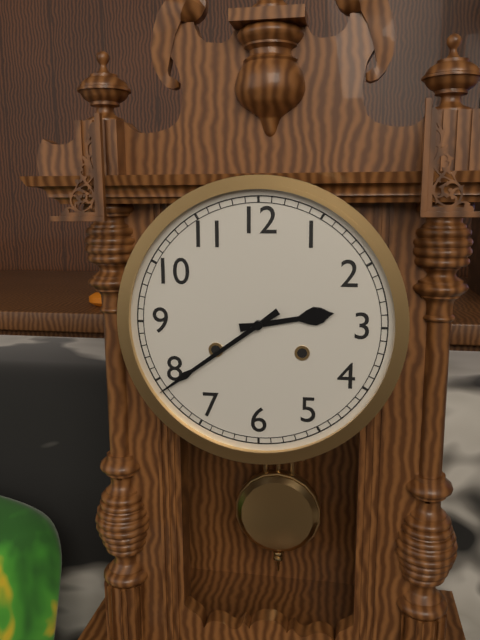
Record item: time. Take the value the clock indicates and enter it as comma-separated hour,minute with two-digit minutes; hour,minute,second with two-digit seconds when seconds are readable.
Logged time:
2,39
